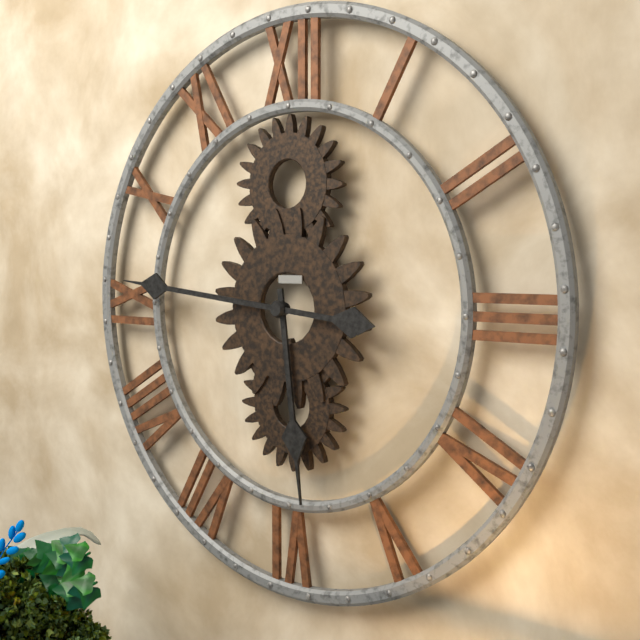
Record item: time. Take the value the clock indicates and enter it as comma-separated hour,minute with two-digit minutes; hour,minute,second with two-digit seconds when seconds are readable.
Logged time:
5,46
